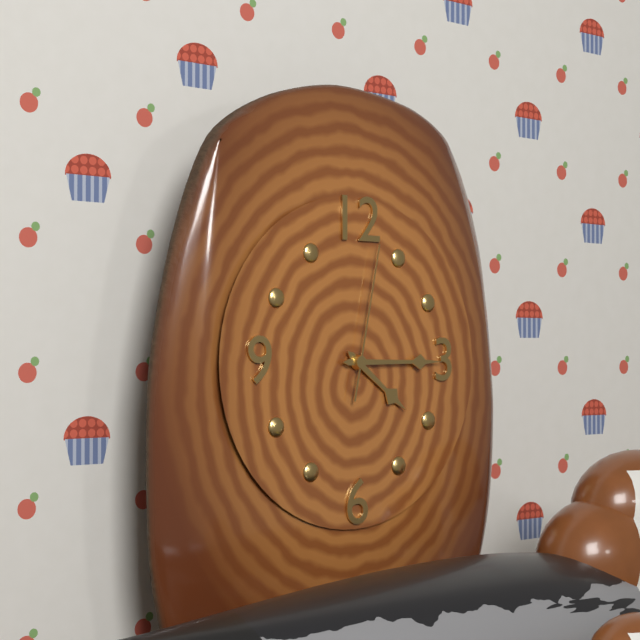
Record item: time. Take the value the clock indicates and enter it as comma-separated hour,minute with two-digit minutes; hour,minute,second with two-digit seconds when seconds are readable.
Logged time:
4,15,02
